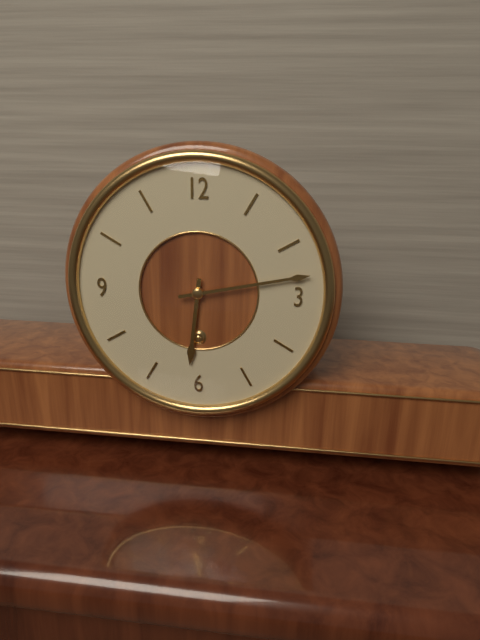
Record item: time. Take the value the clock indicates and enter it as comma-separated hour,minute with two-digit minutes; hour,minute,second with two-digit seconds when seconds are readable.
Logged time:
6,13
